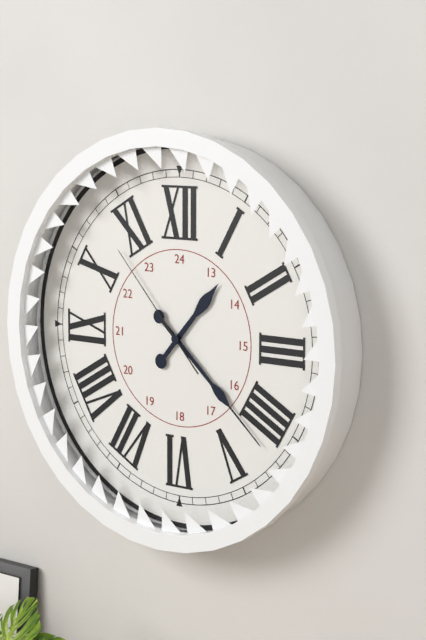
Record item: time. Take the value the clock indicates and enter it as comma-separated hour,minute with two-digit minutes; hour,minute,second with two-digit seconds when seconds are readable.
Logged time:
1,22,53
